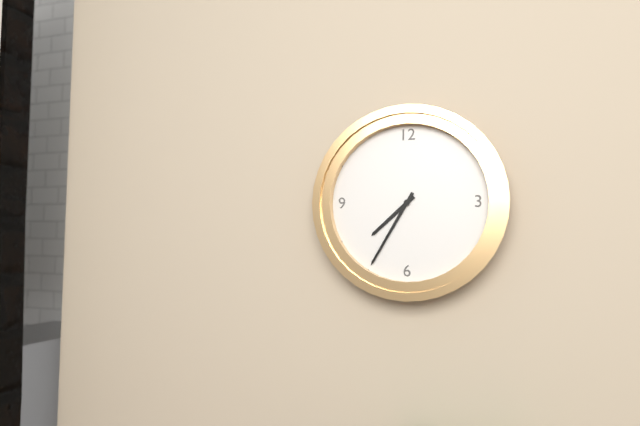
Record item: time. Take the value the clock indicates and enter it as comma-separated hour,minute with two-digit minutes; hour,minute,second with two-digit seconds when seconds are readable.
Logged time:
7,35
